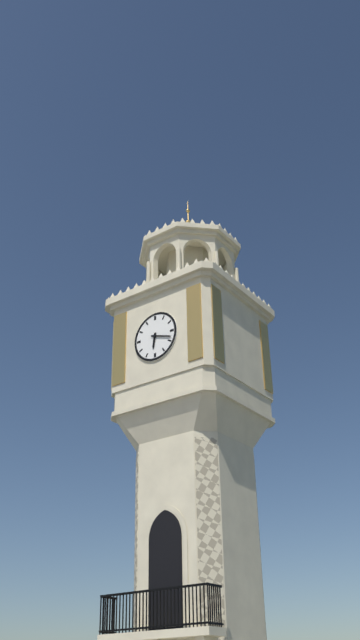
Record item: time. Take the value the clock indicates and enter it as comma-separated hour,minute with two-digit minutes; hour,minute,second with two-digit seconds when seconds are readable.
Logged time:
6,18
